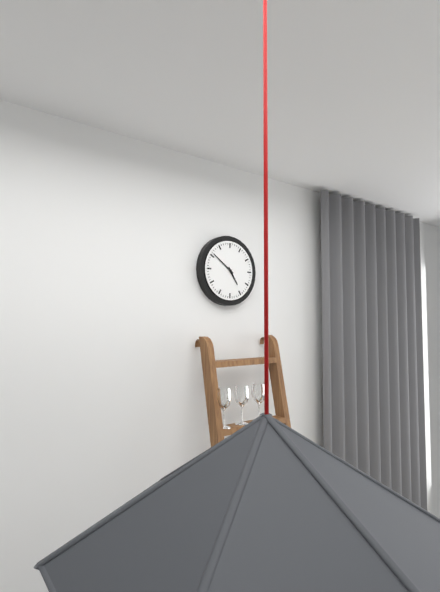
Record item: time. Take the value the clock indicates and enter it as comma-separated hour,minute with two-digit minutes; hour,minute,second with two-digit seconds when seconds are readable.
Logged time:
4,51
